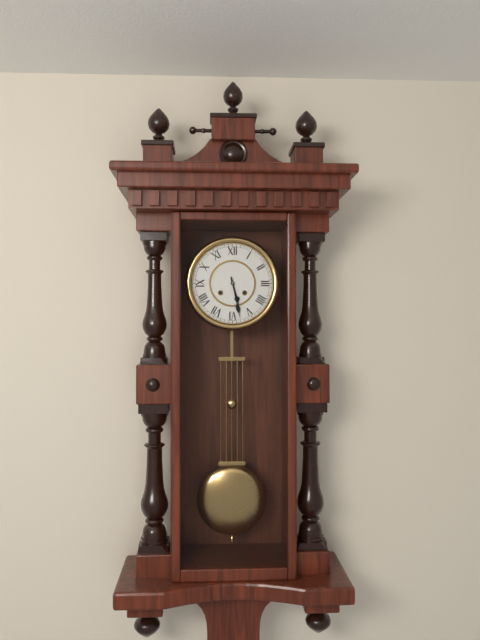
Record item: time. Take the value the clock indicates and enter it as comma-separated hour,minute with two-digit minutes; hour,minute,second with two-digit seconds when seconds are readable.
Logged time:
5,28
